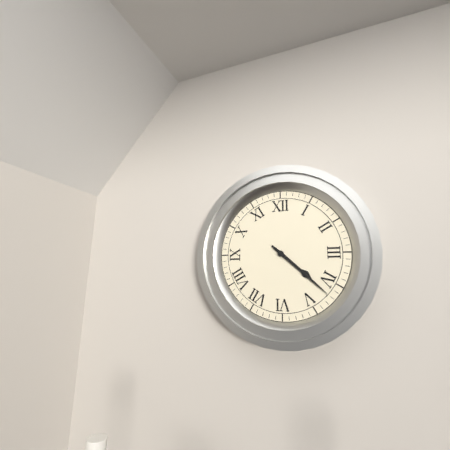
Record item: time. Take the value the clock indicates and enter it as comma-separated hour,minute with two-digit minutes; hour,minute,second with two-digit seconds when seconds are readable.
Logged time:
4,22
